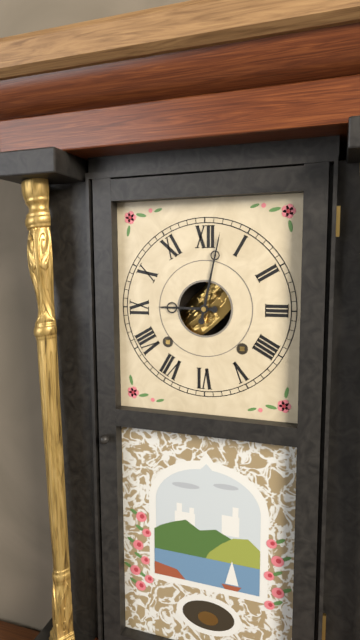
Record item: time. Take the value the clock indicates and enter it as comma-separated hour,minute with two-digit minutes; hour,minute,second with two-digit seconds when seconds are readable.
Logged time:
9,02
